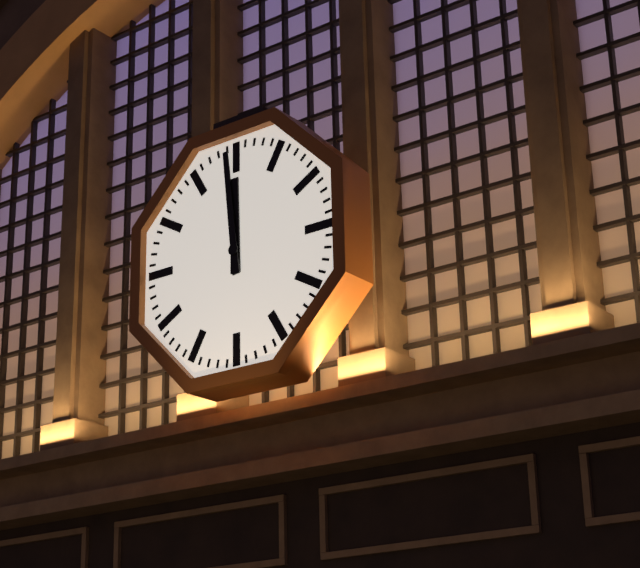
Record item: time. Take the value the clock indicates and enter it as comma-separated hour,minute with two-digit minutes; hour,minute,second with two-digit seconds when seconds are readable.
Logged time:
11,59
